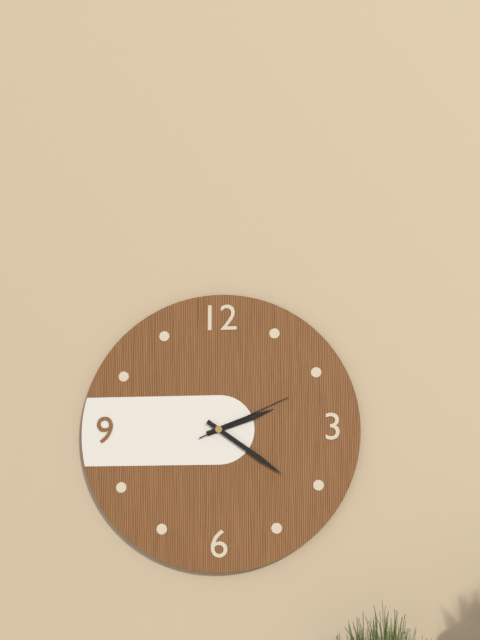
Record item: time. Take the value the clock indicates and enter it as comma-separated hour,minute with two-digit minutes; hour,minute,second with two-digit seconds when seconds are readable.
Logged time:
2,21,11
